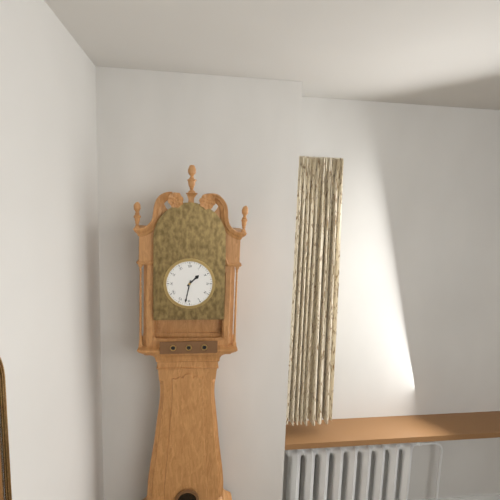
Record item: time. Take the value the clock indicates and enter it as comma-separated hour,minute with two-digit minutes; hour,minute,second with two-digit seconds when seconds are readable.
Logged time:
1,32
